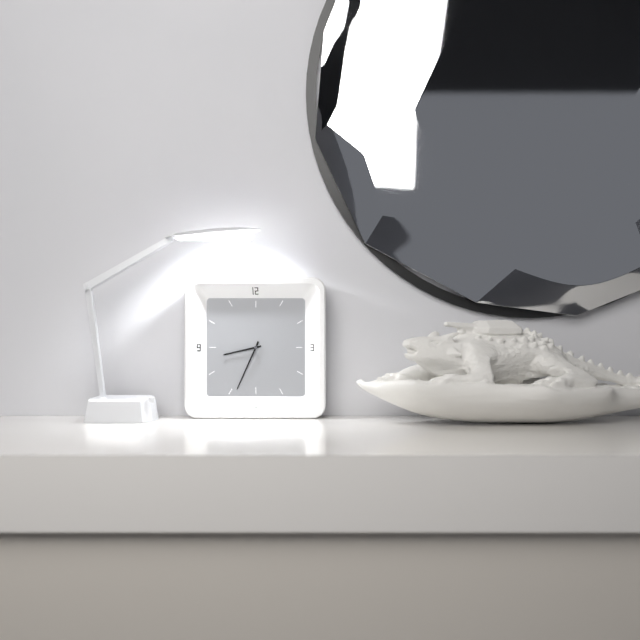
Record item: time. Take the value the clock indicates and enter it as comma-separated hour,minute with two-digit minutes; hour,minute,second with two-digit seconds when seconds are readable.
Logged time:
8,34
